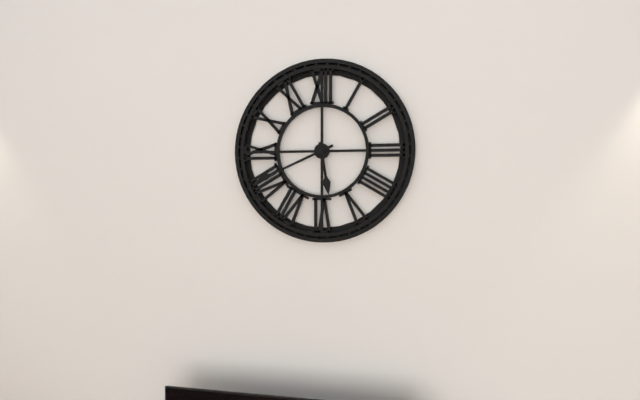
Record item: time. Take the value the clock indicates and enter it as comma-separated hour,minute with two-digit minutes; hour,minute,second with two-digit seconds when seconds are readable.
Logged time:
5,41
